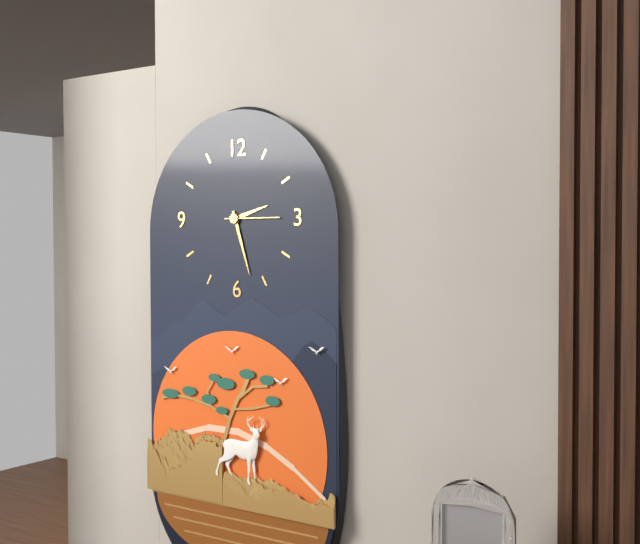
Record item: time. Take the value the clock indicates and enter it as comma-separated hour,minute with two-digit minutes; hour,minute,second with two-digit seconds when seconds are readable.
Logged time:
2,27
